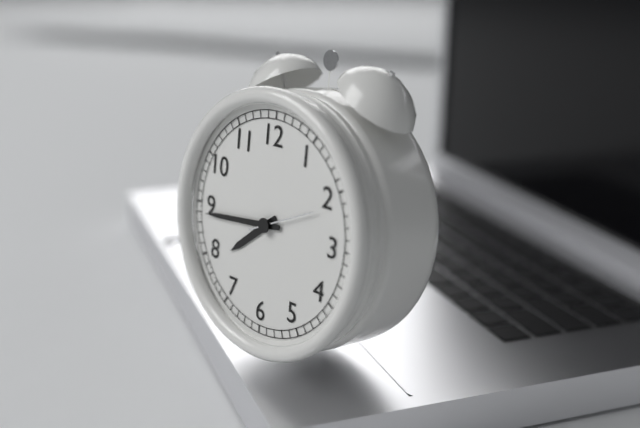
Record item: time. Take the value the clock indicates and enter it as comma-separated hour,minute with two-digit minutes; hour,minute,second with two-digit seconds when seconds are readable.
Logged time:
7,44,11
